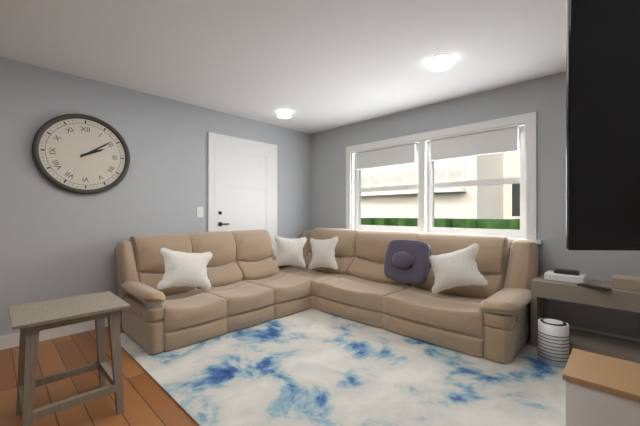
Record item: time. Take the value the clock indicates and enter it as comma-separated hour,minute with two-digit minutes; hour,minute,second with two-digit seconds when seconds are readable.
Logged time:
2,09
